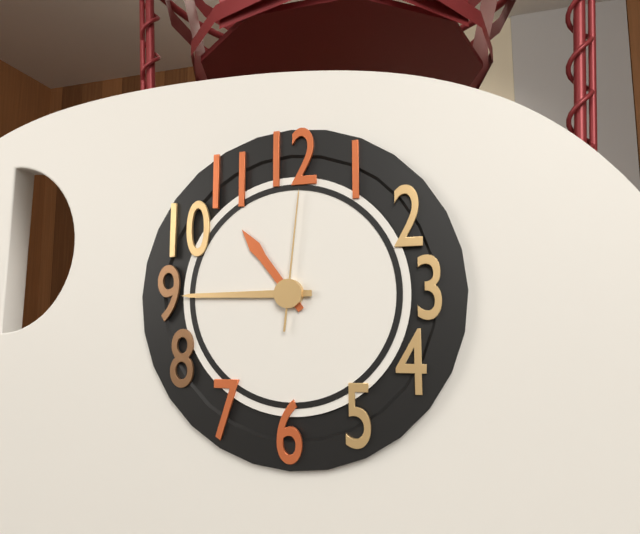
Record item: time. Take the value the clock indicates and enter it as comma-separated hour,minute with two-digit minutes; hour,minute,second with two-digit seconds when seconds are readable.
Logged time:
10,45,01
